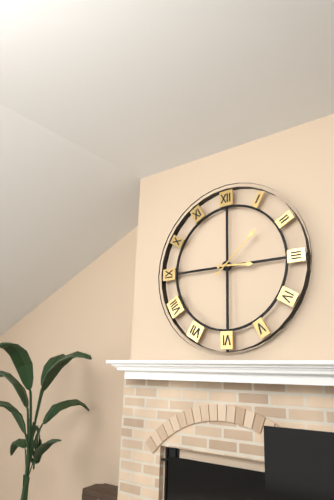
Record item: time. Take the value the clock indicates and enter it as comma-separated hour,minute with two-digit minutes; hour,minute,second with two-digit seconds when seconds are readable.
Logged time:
3,08
